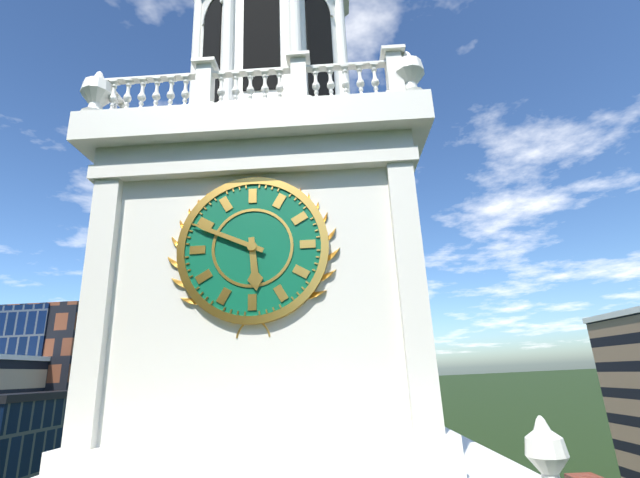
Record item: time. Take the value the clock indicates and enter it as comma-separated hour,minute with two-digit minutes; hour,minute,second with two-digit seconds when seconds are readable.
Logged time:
5,49
